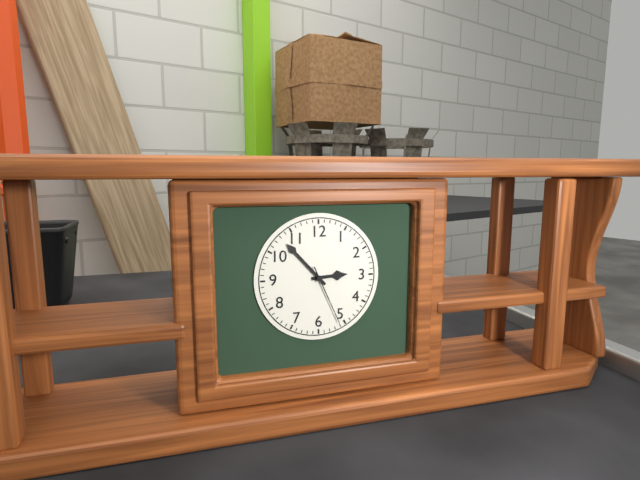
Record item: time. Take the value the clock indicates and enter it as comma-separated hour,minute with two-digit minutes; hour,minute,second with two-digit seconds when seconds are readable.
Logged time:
2,53,26
